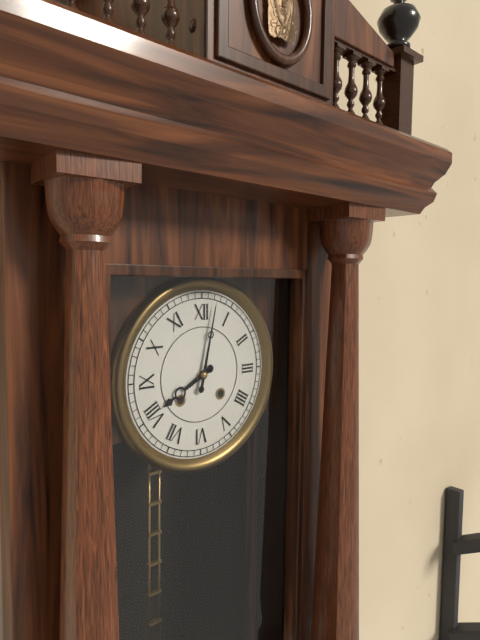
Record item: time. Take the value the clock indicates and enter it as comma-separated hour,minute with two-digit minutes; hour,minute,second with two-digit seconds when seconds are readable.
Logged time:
8,02
